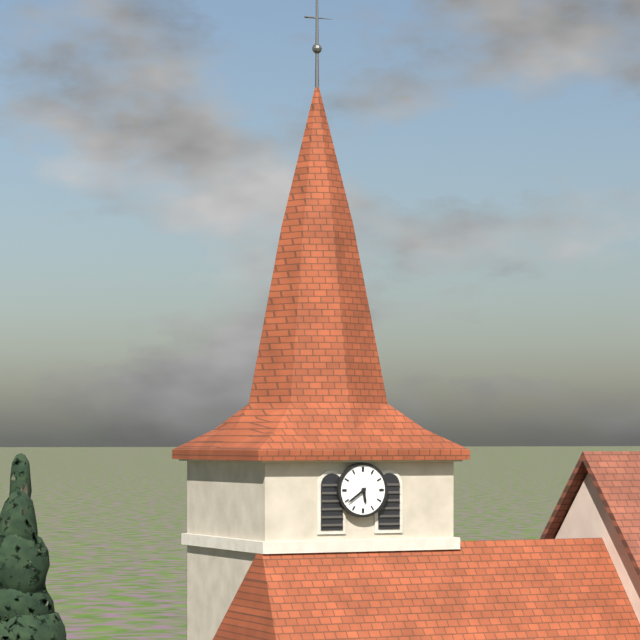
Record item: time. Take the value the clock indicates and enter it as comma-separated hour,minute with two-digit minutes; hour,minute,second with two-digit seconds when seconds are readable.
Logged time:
5,39
